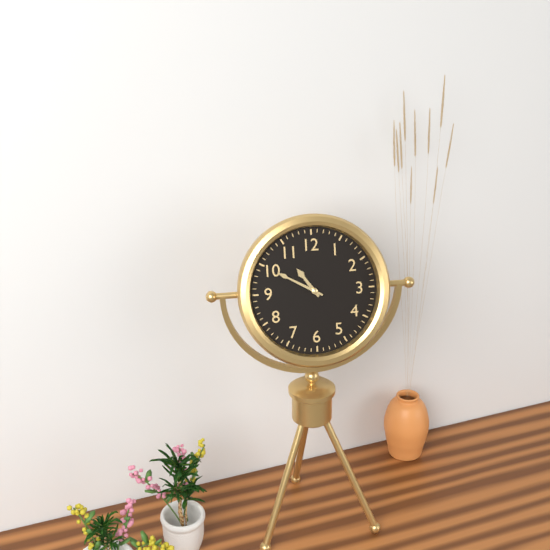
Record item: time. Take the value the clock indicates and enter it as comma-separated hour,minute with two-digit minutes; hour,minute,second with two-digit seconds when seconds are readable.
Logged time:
10,50
